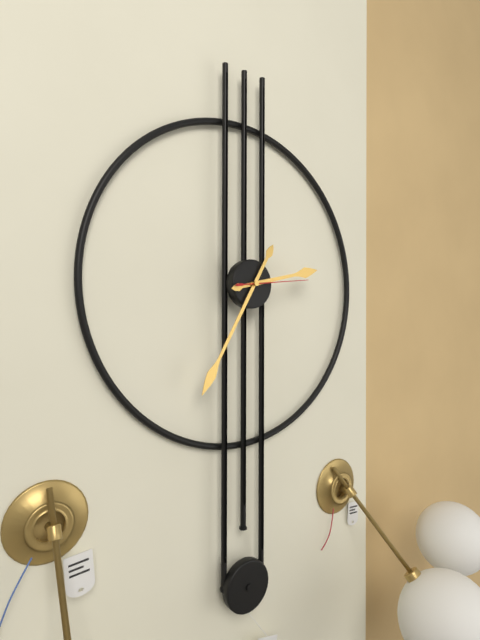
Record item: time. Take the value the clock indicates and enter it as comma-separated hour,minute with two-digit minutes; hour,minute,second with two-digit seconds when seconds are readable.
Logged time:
2,35,14
